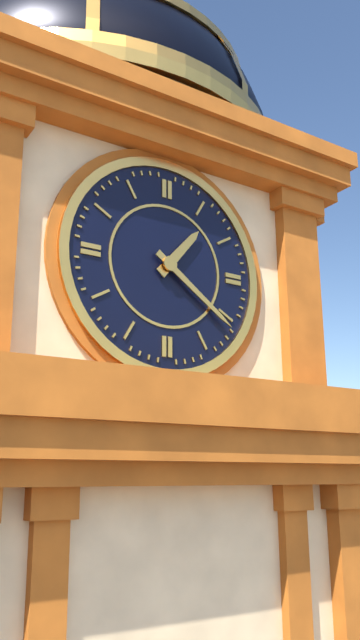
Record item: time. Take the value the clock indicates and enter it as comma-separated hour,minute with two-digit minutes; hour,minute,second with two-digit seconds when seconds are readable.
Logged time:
1,21
